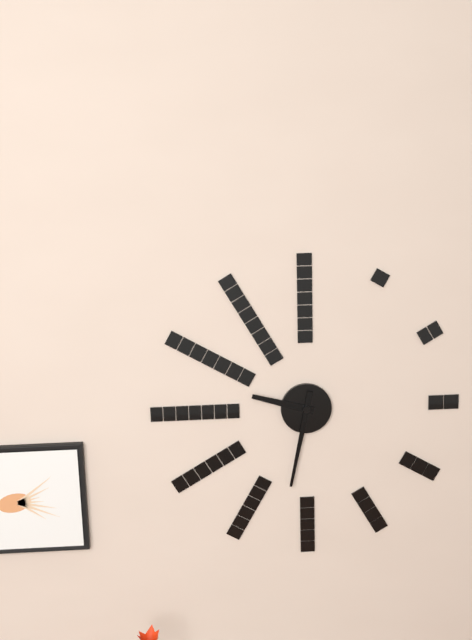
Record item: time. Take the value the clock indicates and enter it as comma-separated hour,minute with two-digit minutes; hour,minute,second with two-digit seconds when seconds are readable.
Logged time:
9,32
